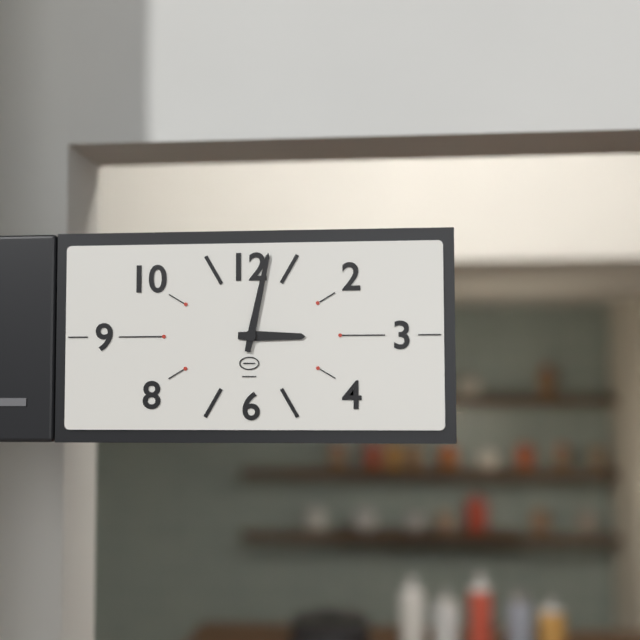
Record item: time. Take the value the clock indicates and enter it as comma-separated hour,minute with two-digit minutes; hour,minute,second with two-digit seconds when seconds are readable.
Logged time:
3,02
